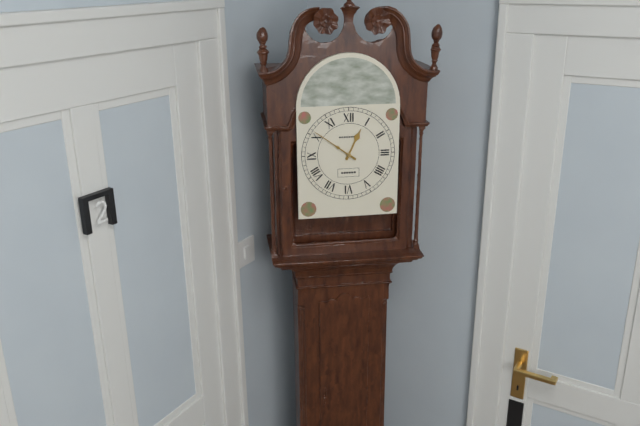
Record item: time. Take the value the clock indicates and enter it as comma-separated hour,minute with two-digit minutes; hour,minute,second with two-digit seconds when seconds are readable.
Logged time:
12,51
